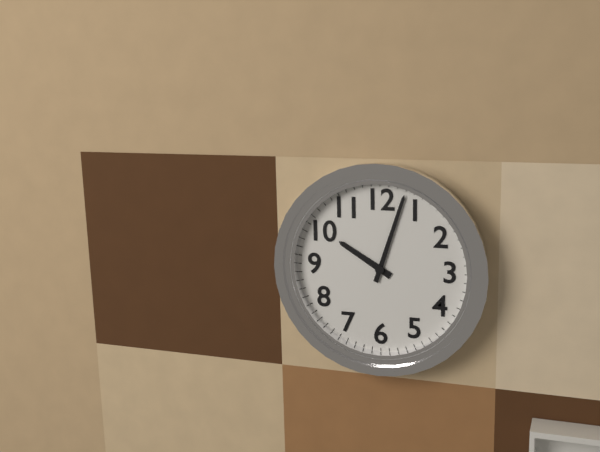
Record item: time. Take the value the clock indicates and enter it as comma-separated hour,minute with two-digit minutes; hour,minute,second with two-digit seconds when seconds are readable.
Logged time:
10,03
